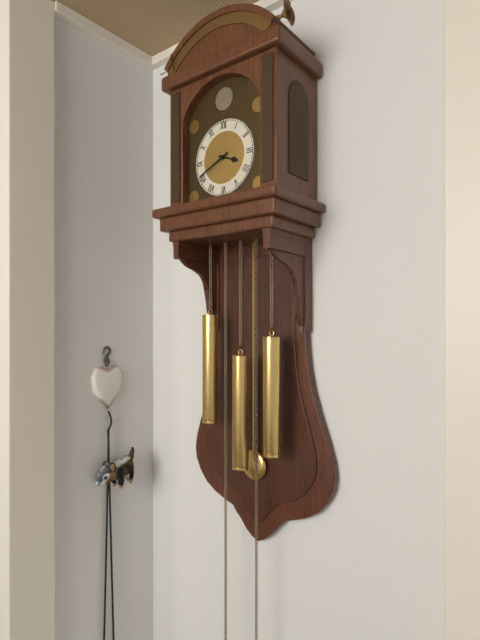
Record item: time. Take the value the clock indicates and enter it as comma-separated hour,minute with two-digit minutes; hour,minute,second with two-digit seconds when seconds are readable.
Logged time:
3,41
